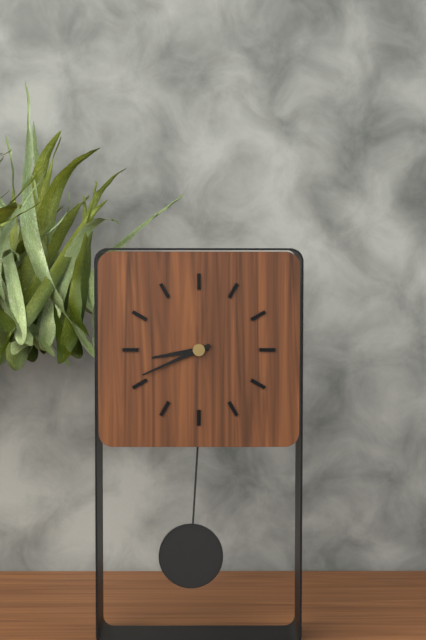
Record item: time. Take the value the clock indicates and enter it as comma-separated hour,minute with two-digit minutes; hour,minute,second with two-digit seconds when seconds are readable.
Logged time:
8,41
